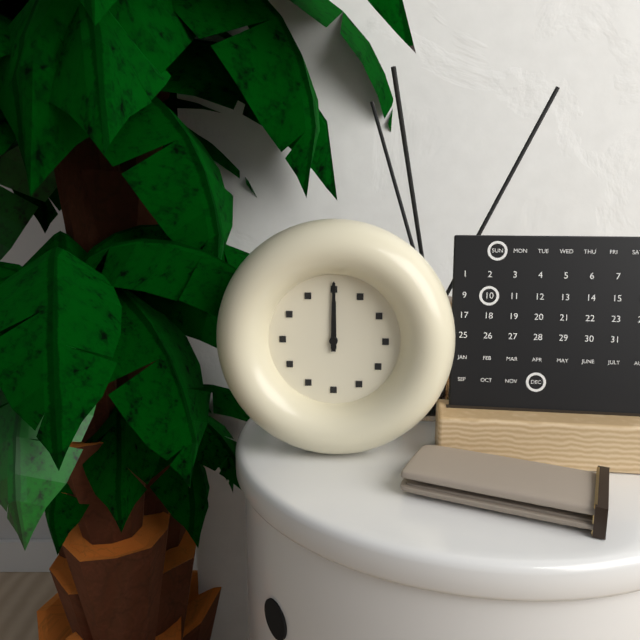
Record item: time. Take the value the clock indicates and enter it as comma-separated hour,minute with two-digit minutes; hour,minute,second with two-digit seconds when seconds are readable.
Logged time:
12,00
